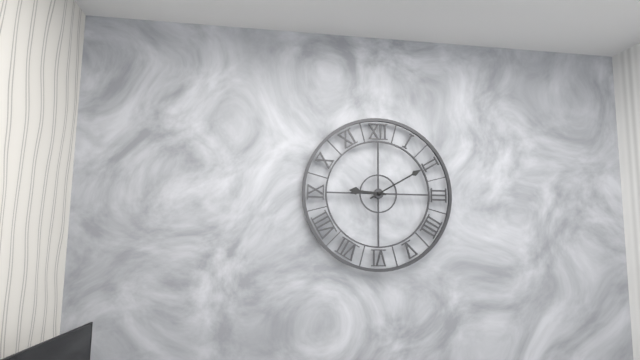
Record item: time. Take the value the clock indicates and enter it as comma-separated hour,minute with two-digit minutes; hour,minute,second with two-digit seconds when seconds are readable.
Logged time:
9,10
